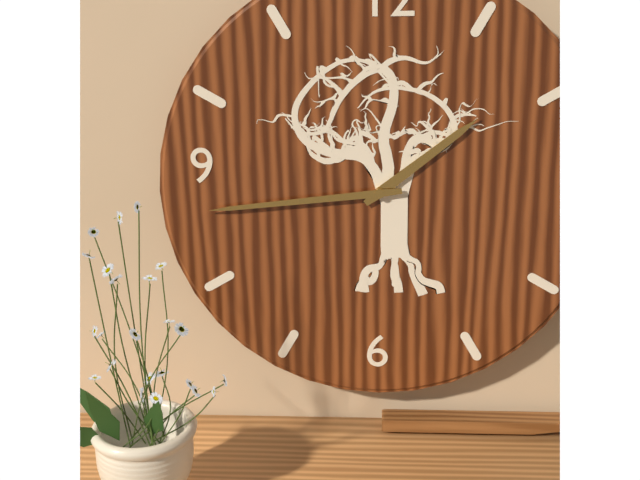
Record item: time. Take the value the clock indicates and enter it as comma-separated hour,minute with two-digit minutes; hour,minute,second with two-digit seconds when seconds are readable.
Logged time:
1,44
